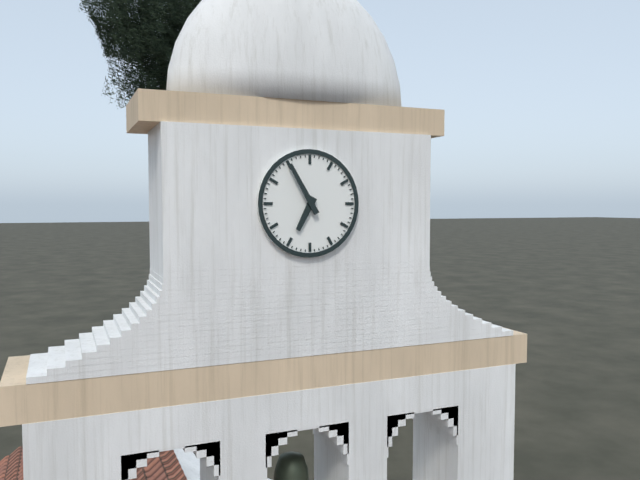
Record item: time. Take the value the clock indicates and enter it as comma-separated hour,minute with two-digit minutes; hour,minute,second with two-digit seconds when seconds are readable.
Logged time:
6,55
